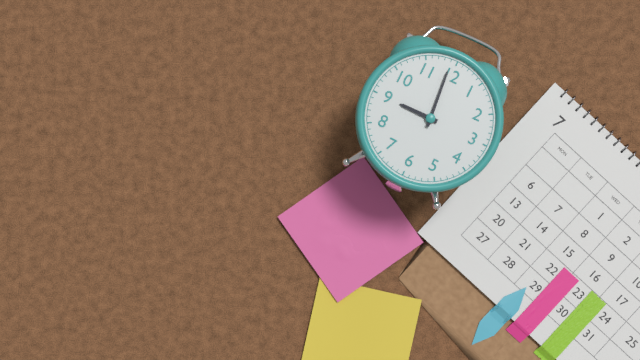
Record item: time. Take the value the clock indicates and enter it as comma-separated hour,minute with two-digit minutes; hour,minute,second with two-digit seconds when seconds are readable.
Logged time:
8,59
